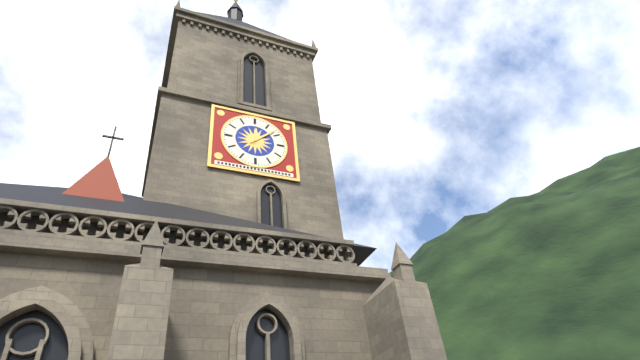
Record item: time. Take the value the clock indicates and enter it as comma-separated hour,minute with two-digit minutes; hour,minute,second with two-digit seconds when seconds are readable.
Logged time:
12,08
